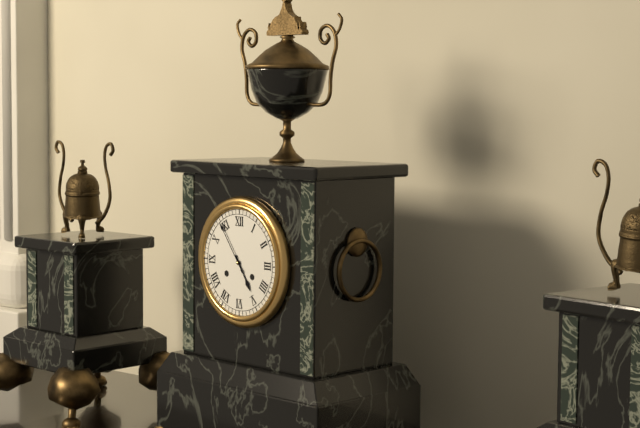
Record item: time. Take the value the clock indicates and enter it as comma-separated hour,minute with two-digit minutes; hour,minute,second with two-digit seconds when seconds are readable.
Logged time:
4,54
